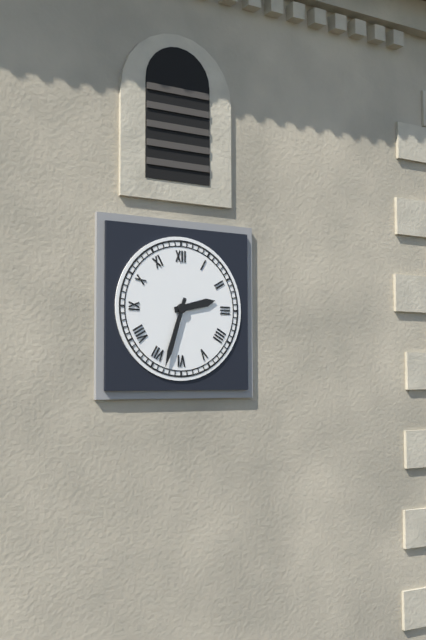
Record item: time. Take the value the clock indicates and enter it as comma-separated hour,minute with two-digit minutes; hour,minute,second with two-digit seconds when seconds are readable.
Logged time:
2,33
